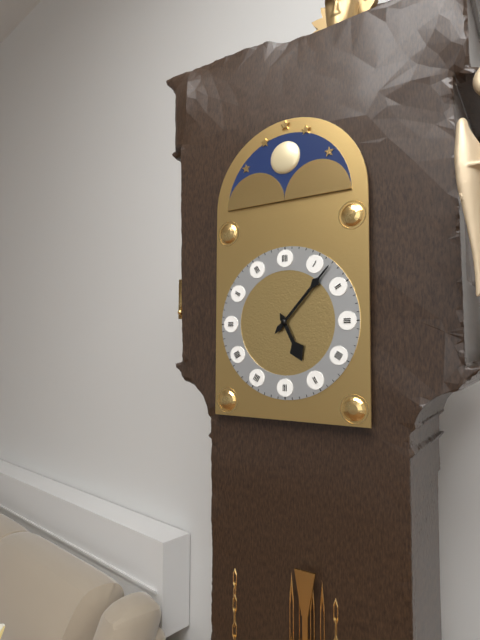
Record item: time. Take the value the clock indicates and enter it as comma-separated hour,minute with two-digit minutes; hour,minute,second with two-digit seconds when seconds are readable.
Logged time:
5,07
